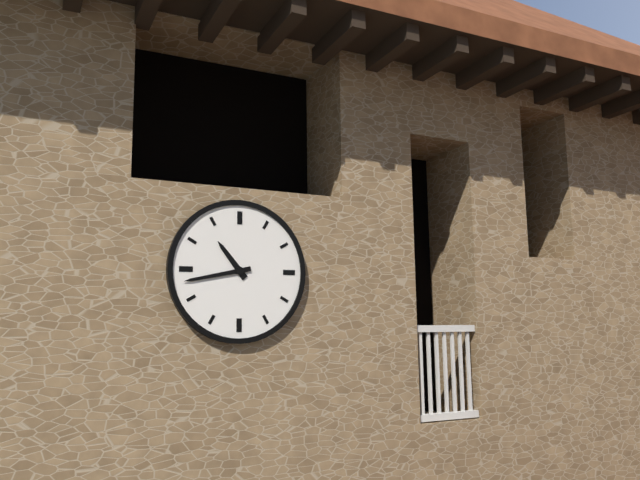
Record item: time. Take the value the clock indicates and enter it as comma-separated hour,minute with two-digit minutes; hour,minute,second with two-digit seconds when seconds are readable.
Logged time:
10,43
